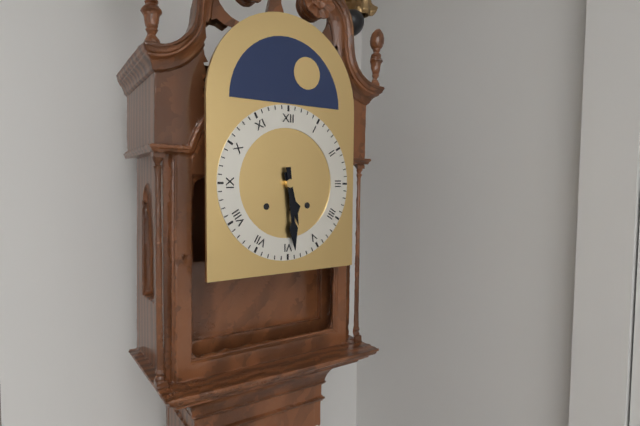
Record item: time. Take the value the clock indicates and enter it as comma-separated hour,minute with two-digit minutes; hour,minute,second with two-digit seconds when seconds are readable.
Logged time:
5,29
